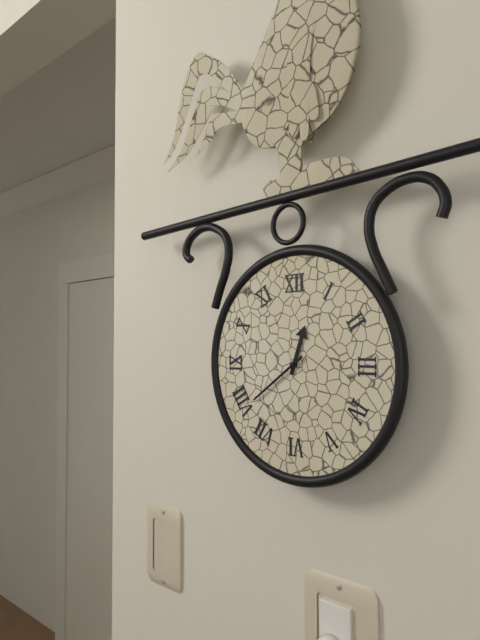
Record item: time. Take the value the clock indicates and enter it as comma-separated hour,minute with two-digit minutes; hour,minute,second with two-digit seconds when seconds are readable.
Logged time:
12,39
